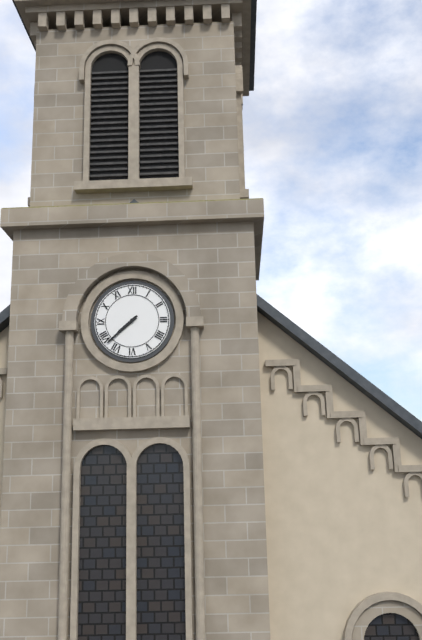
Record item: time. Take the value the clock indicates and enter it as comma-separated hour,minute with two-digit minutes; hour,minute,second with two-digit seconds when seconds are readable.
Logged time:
7,38
